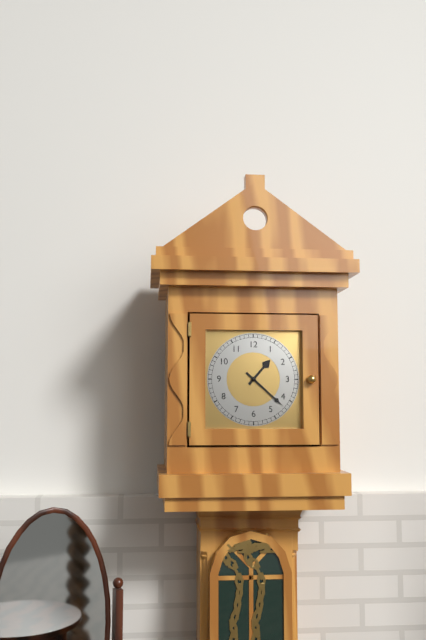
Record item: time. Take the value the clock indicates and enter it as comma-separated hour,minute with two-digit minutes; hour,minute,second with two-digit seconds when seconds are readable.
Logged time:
1,22
